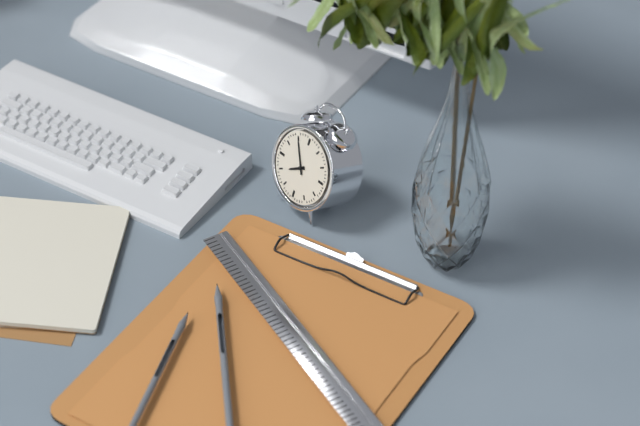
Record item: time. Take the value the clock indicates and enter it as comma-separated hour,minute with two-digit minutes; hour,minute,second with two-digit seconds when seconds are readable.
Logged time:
7,55
